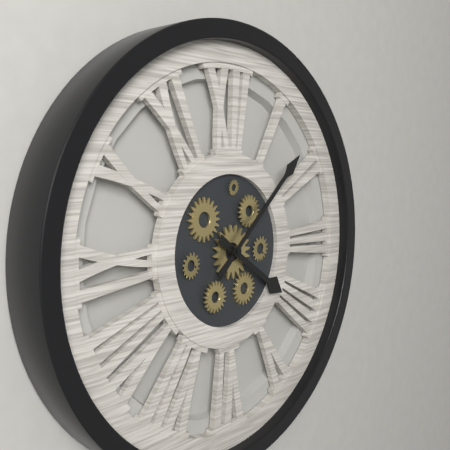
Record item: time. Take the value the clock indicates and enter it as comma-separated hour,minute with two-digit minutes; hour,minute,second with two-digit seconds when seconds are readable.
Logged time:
4,08
